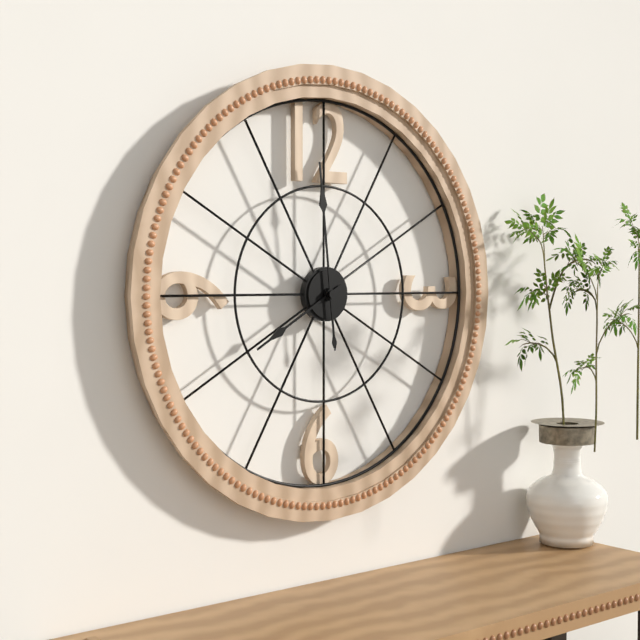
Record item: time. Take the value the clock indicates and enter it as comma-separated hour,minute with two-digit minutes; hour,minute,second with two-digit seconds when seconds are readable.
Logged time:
7,59
